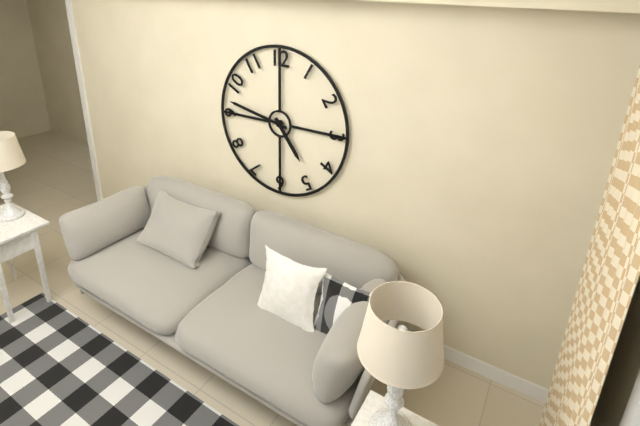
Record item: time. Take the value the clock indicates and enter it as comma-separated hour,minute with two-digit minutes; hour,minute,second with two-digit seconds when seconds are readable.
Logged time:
4,47
